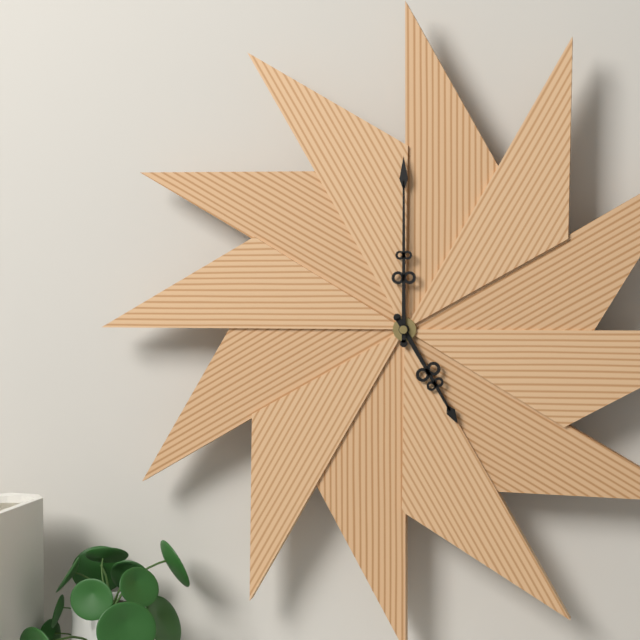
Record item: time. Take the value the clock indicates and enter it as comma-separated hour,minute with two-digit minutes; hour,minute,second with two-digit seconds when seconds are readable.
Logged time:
5,00
